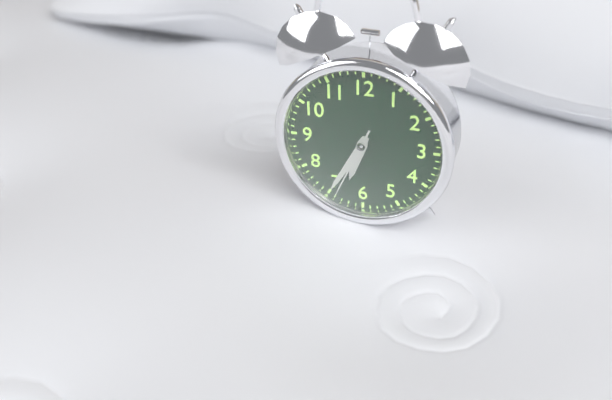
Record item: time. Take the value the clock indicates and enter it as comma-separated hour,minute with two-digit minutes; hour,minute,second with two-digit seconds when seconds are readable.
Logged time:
6,35,34
